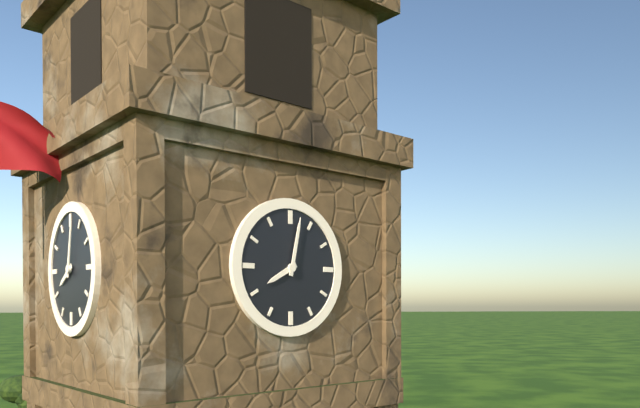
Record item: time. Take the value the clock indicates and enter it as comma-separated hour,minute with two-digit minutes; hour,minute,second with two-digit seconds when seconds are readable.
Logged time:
8,02
